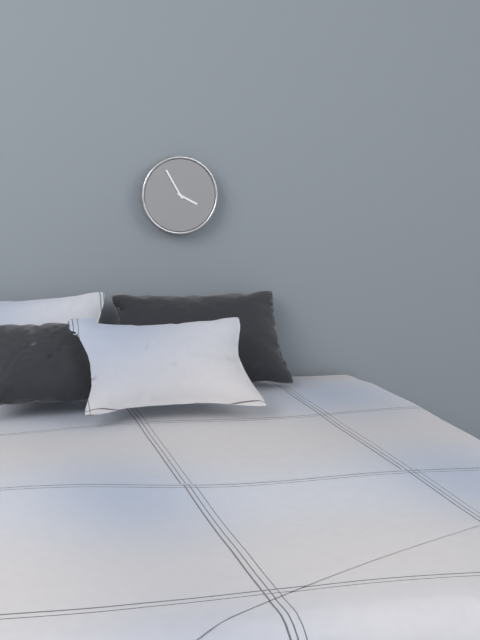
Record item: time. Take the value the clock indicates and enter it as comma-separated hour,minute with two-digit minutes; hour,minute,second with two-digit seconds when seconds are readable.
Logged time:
3,55
